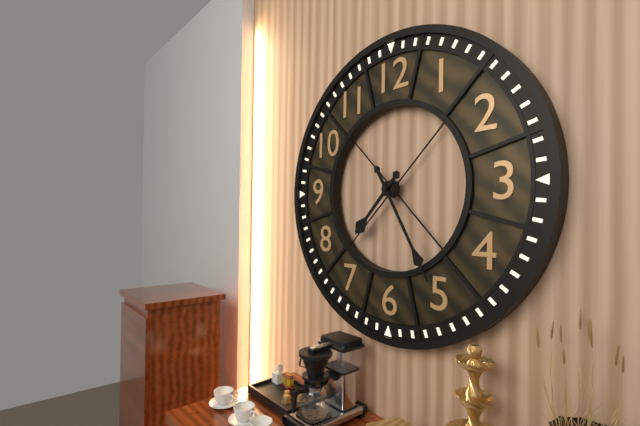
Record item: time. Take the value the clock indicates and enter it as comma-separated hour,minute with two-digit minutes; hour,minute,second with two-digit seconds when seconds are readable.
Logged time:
7,25
